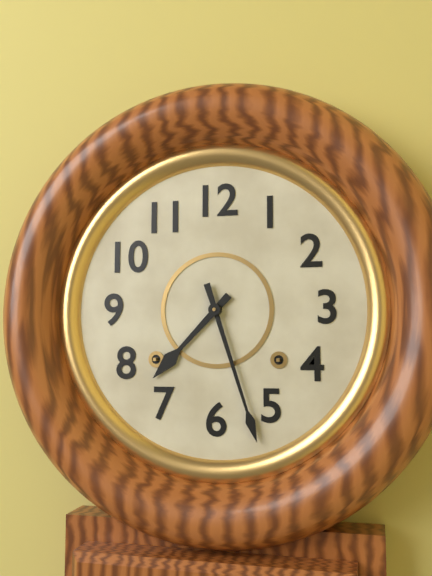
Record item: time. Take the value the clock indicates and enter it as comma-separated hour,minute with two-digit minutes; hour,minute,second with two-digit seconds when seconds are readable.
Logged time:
7,27
